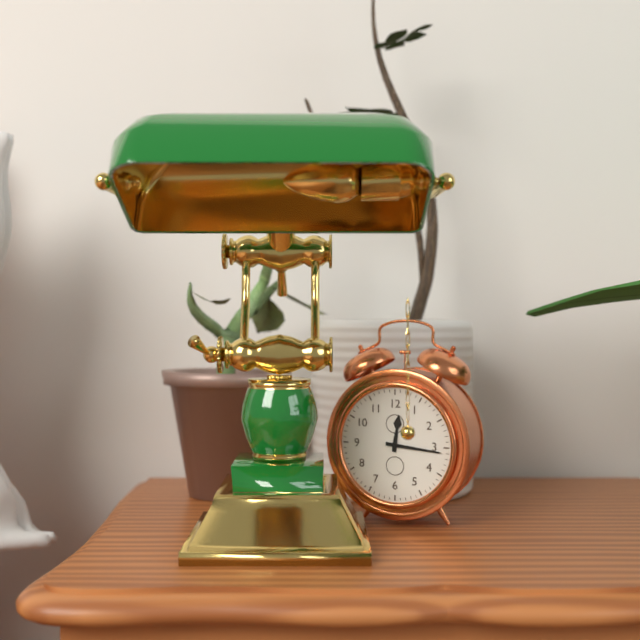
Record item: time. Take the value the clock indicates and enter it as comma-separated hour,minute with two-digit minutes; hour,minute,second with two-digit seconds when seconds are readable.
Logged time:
12,16
